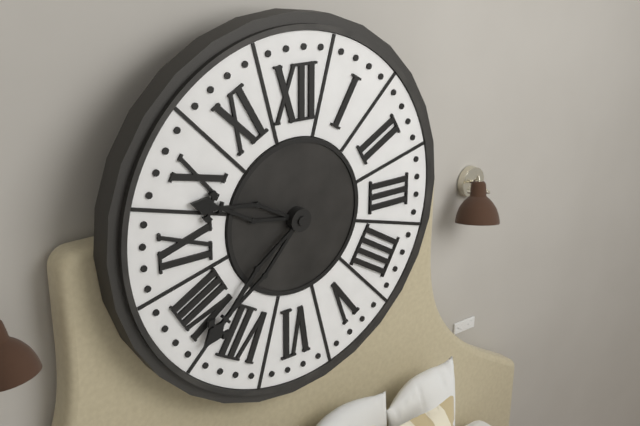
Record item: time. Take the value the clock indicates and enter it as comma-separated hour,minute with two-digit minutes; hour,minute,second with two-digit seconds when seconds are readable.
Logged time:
9,38
